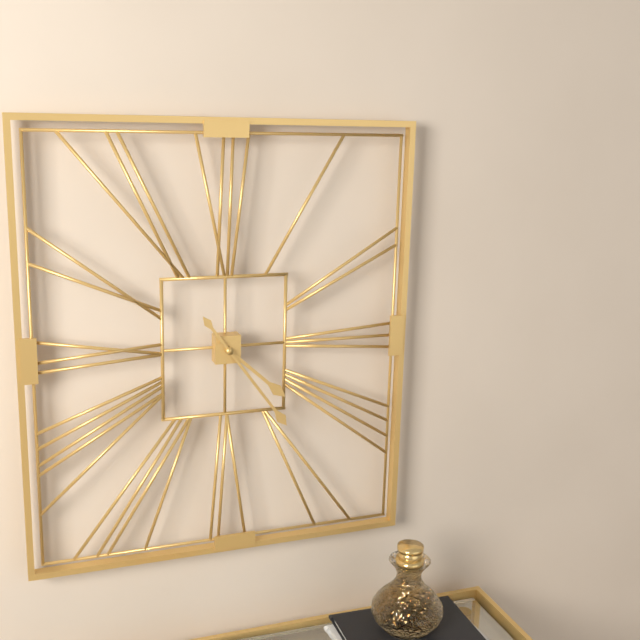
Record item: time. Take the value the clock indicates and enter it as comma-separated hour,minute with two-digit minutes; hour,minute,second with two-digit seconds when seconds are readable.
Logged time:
4,24
